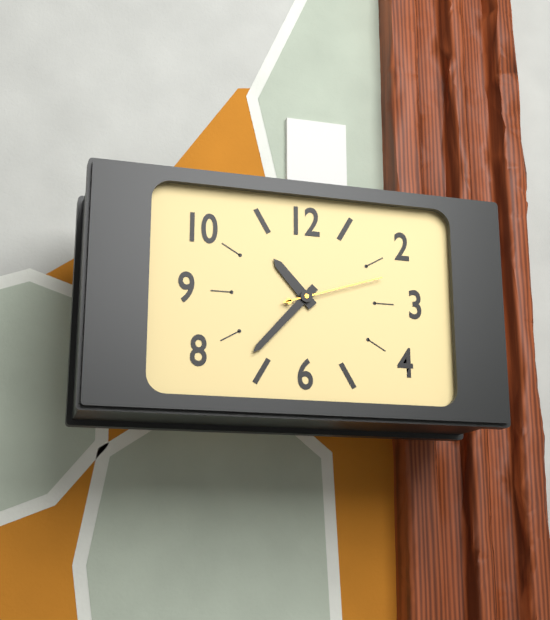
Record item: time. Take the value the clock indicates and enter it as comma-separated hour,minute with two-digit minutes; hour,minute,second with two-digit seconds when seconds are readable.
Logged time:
10,37,12
